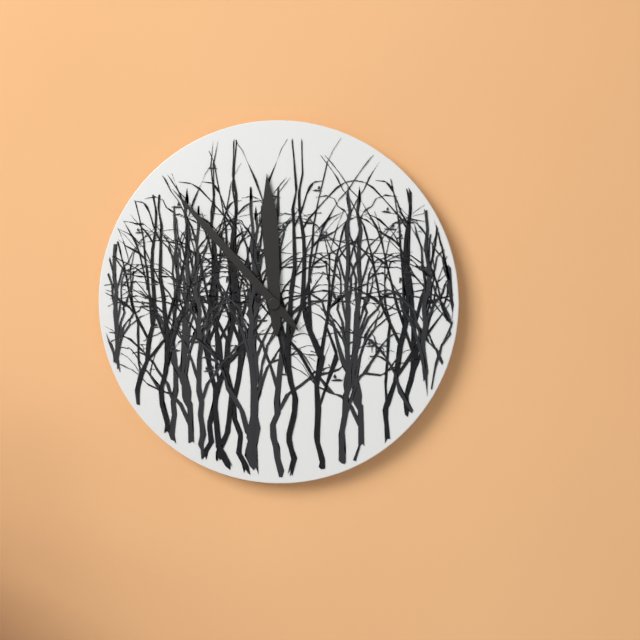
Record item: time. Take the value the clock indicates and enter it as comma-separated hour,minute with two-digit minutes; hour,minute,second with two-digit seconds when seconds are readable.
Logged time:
11,53
